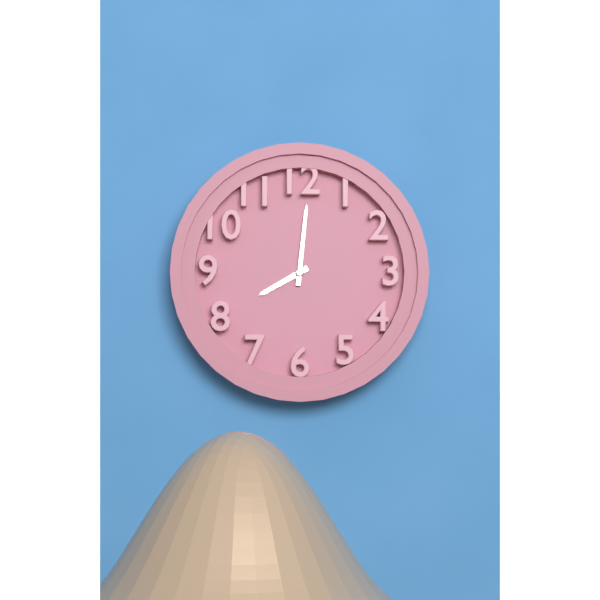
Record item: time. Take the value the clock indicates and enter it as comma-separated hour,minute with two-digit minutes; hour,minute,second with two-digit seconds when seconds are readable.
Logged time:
8,01
